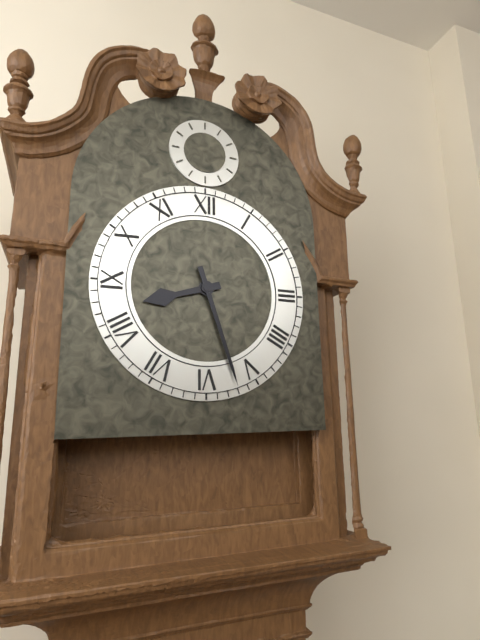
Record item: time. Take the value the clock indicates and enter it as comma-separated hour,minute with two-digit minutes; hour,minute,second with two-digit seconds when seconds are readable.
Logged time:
8,27
